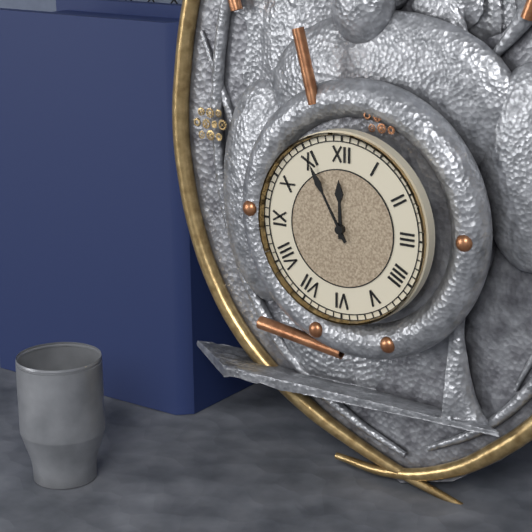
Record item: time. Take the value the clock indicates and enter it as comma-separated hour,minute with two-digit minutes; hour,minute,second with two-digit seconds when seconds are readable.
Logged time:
11,55
